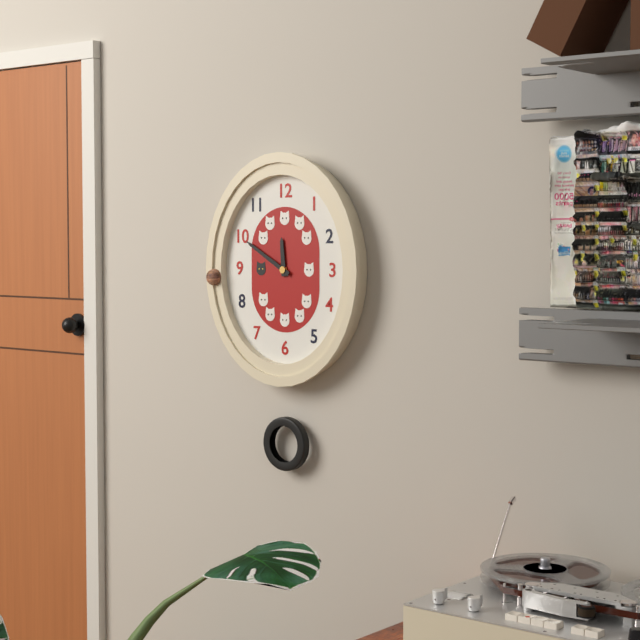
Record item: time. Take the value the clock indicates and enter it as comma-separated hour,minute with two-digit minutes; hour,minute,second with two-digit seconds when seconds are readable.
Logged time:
11,50
